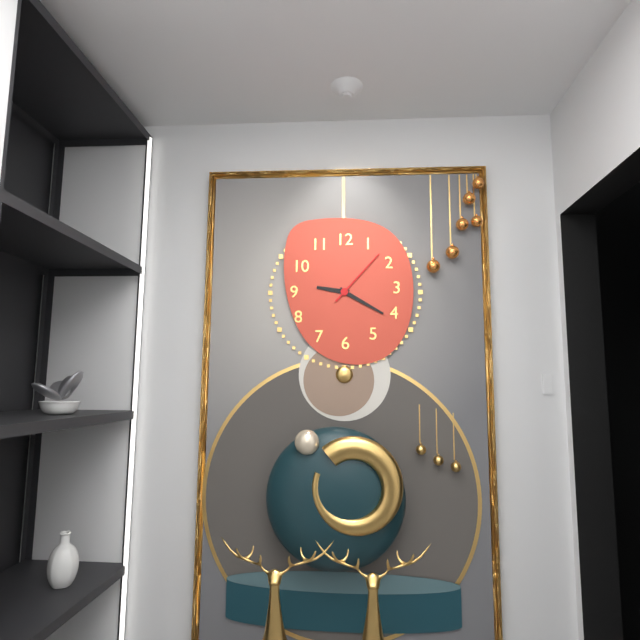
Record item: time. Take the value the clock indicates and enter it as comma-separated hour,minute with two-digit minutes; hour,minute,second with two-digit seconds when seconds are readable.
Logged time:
9,20,07
